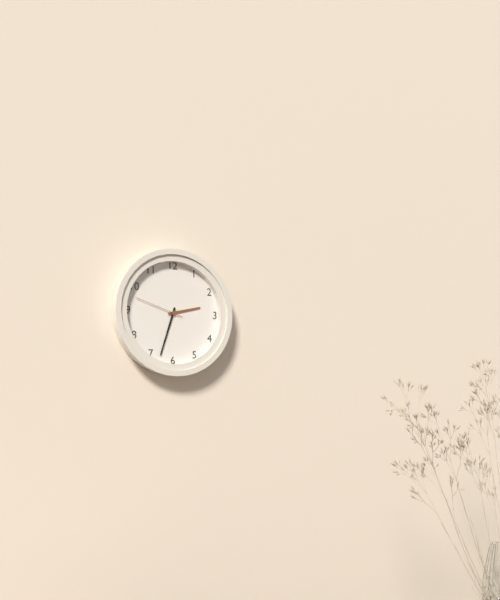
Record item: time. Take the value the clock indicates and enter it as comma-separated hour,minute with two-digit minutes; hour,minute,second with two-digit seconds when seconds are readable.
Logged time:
2,33,48
